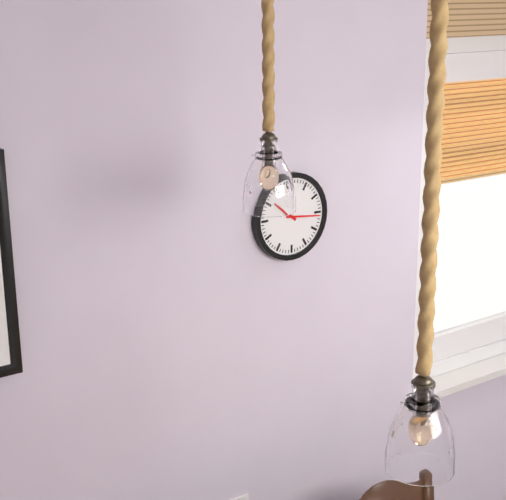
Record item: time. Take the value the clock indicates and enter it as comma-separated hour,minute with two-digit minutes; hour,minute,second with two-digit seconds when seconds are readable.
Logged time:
10,16
